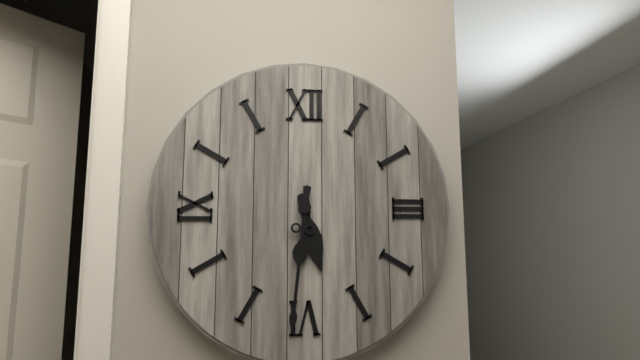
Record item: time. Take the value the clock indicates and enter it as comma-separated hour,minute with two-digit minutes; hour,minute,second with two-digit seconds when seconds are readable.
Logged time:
5,31
